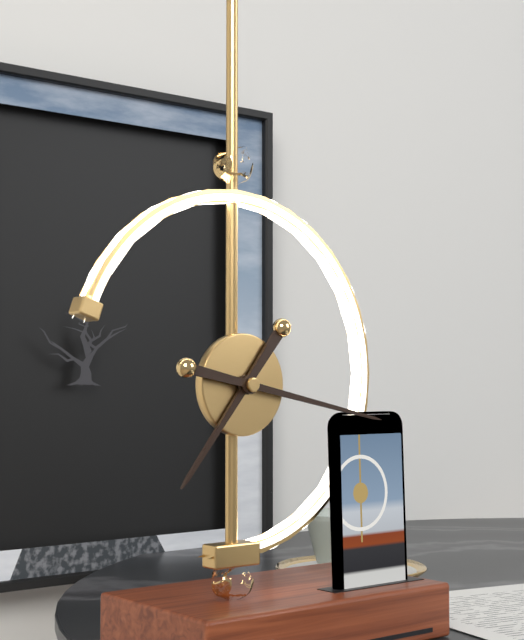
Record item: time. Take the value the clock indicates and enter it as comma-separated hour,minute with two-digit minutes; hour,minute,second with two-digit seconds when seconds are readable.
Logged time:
7,17
